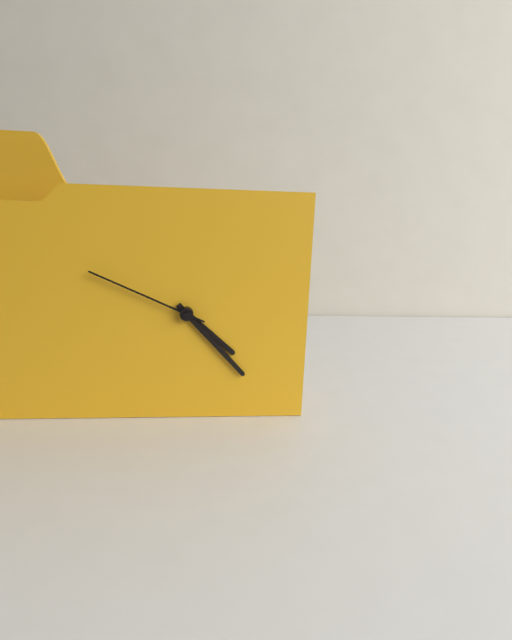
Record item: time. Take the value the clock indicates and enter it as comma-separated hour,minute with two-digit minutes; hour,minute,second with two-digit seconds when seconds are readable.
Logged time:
4,23,49
